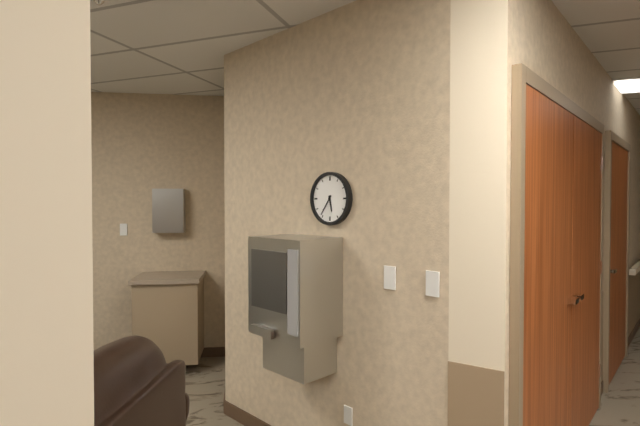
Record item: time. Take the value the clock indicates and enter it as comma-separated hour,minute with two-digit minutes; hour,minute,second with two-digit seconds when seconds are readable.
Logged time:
5,36
